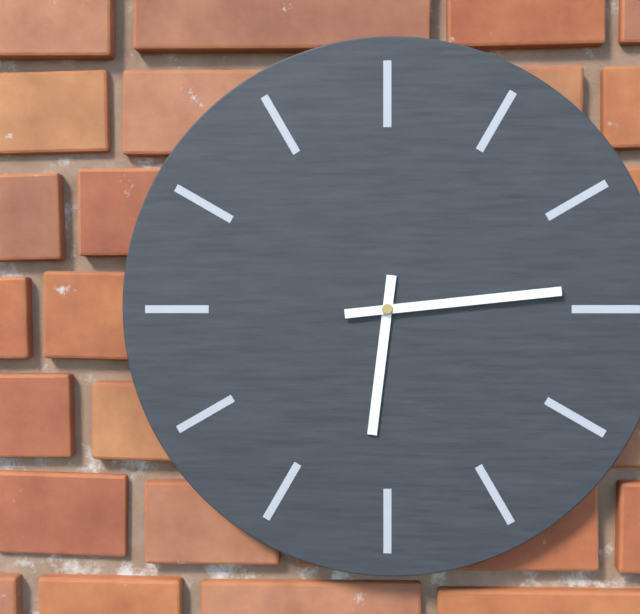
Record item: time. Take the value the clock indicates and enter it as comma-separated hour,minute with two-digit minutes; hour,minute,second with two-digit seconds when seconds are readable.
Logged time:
6,14
